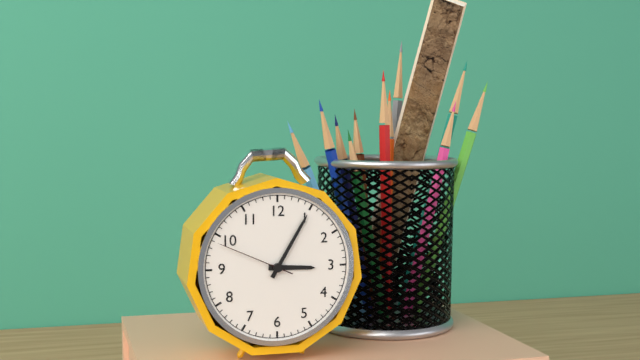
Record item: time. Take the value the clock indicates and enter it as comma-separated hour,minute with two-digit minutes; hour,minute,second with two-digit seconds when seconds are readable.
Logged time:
3,05,49
